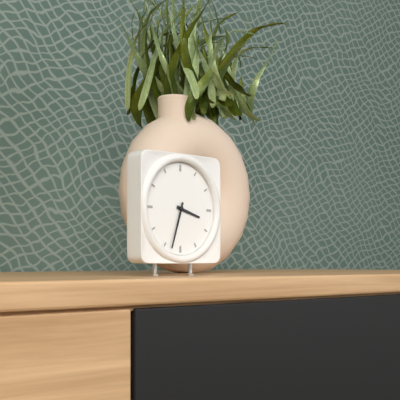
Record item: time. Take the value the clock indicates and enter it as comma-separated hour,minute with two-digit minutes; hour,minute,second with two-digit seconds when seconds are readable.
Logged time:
3,33
